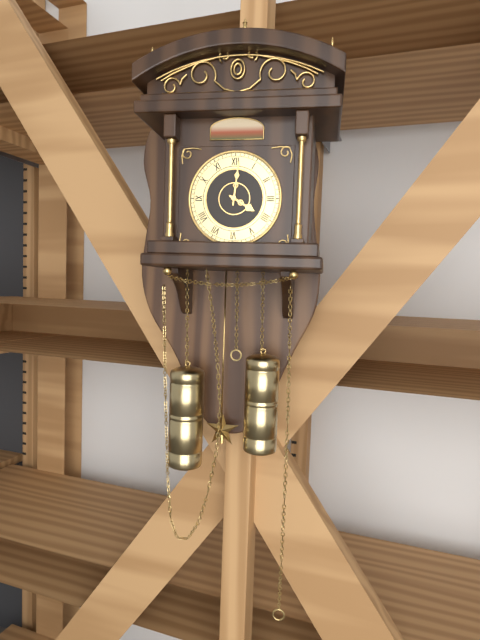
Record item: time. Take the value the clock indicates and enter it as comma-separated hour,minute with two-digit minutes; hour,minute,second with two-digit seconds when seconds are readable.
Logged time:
4,01
